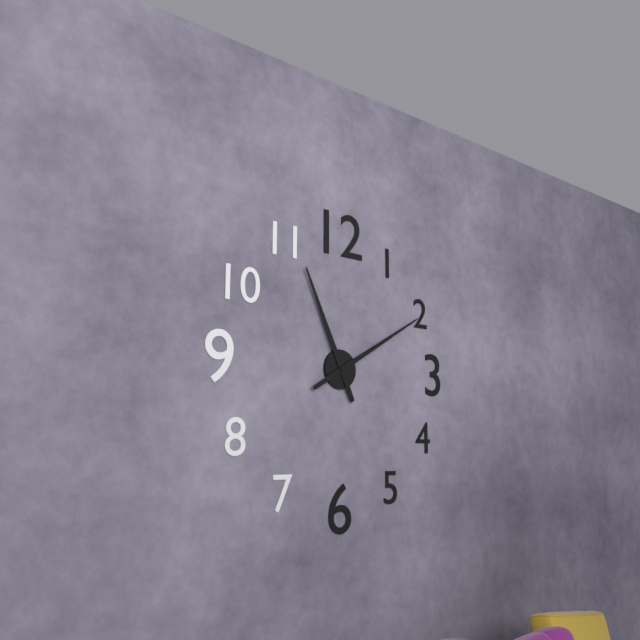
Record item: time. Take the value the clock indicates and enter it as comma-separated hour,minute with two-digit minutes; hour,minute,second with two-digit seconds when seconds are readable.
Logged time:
11,10
